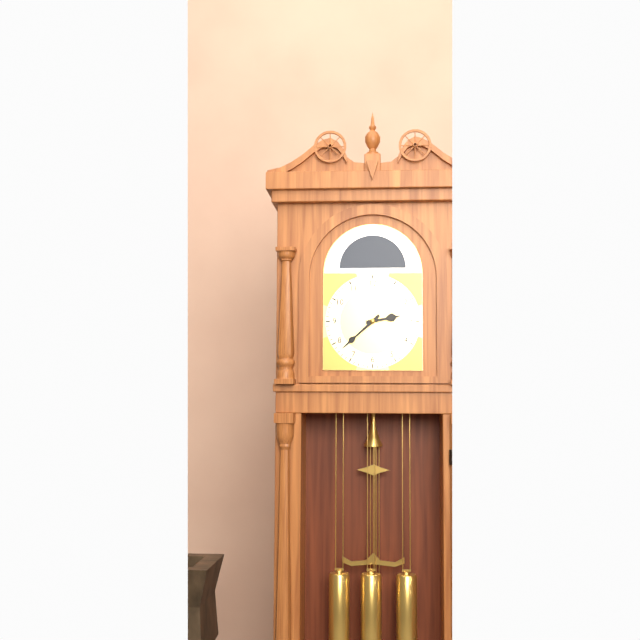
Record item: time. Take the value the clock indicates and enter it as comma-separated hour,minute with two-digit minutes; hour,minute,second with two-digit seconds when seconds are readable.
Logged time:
2,38
